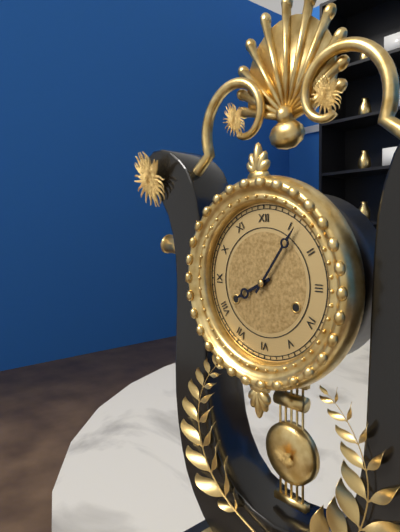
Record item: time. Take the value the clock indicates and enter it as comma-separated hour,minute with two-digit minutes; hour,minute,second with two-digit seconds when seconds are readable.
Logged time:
8,06
